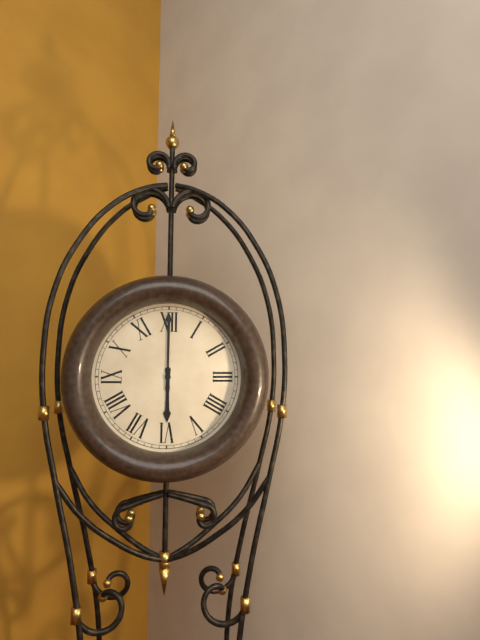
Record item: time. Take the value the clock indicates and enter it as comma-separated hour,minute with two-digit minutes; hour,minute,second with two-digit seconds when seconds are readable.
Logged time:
6,00
